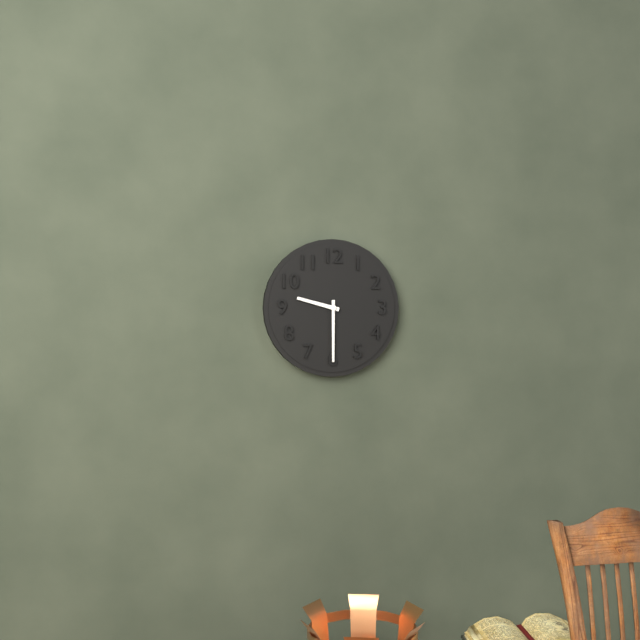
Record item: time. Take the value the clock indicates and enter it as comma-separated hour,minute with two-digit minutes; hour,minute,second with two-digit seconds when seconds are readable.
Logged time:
9,30
